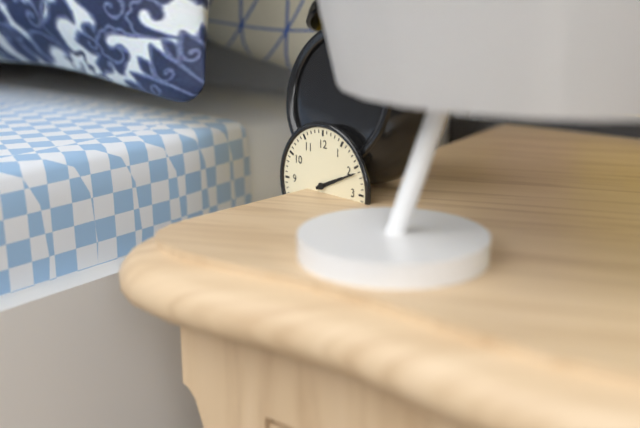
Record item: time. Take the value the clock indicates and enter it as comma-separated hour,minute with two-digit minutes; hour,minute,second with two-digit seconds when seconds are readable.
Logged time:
2,11
